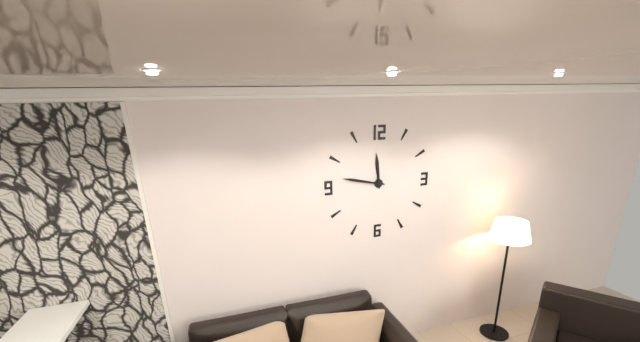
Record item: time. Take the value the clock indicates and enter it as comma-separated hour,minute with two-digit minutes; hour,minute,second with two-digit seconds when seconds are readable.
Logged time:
11,47
